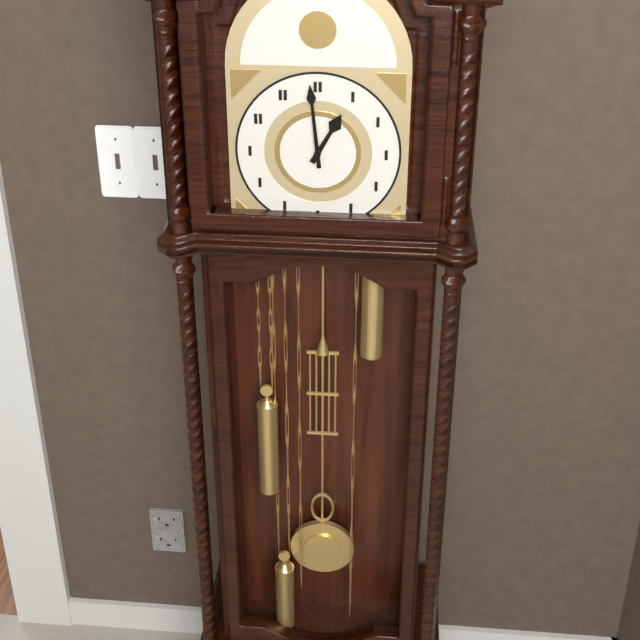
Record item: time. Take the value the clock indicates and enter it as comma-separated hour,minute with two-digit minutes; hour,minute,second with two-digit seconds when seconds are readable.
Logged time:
12,59
